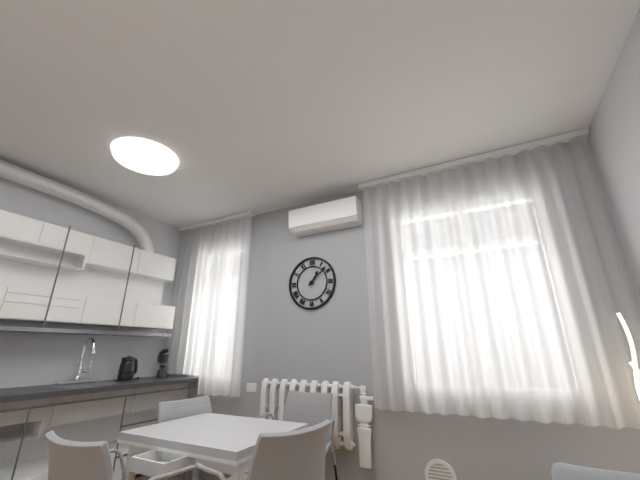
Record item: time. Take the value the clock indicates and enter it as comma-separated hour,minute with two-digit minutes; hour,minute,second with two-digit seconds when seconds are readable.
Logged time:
1,08
